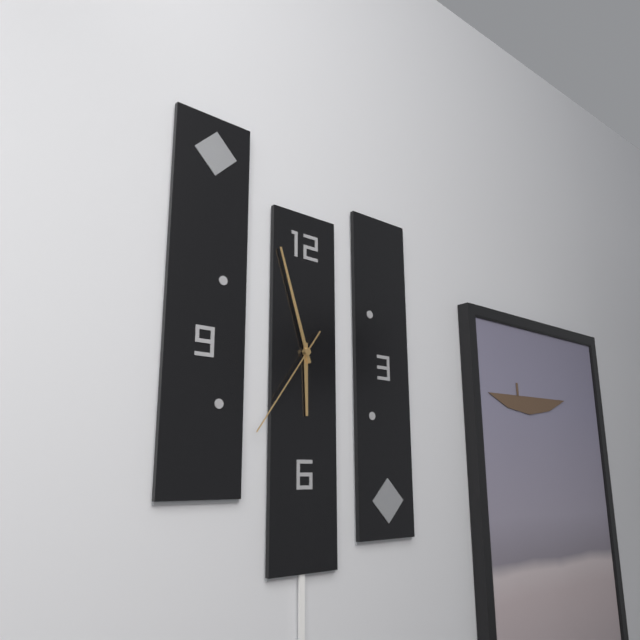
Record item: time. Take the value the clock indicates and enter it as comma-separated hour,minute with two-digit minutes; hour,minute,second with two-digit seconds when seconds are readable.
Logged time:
5,57,36
